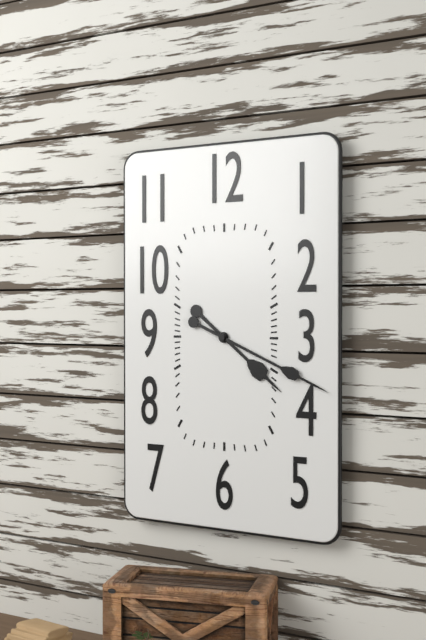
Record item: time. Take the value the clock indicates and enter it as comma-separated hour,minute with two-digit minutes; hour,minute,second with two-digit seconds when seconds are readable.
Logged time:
4,19
